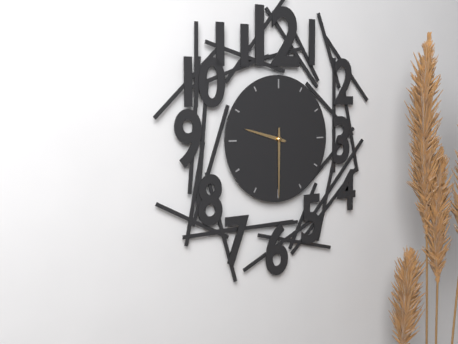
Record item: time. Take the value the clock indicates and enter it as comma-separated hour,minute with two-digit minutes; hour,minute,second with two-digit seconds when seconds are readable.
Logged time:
9,30
